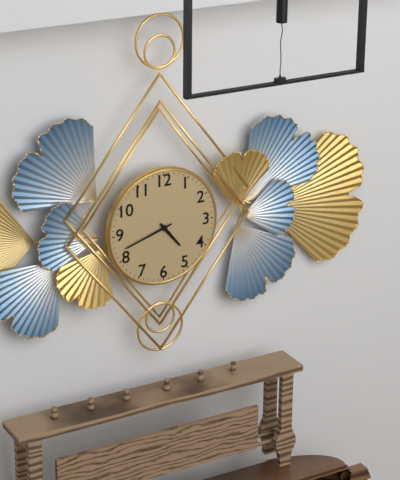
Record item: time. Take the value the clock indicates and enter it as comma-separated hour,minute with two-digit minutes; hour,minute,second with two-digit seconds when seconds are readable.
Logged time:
4,42
